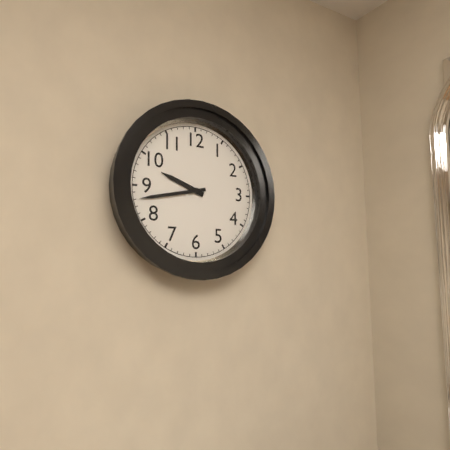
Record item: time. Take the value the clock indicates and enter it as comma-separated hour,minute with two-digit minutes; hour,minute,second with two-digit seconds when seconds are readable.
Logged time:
9,43
